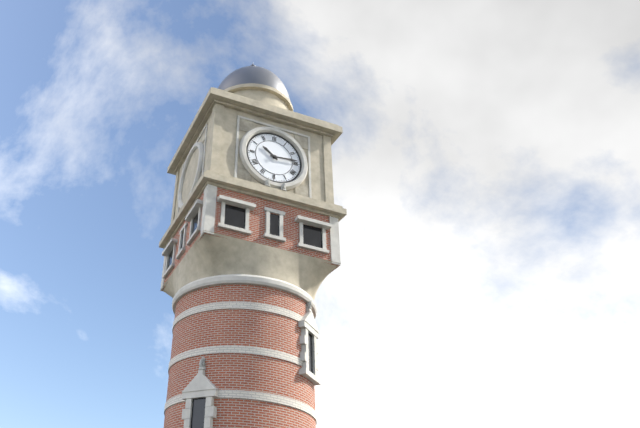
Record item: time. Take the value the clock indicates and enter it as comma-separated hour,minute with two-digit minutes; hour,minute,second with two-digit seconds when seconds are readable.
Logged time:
10,14
